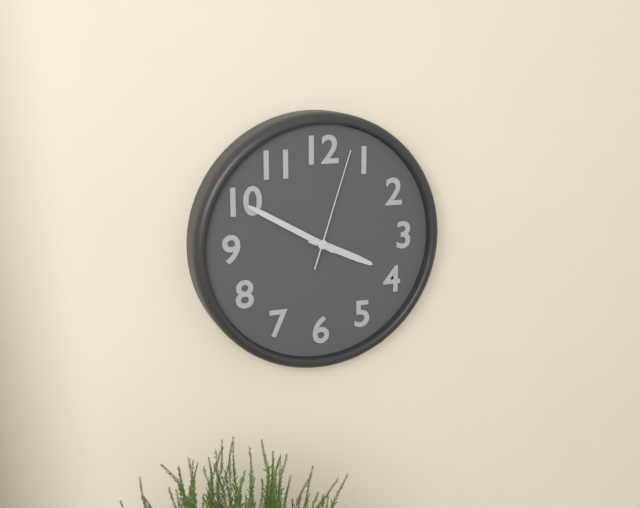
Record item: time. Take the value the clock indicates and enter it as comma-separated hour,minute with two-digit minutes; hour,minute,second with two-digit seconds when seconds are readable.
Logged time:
3,50,03
